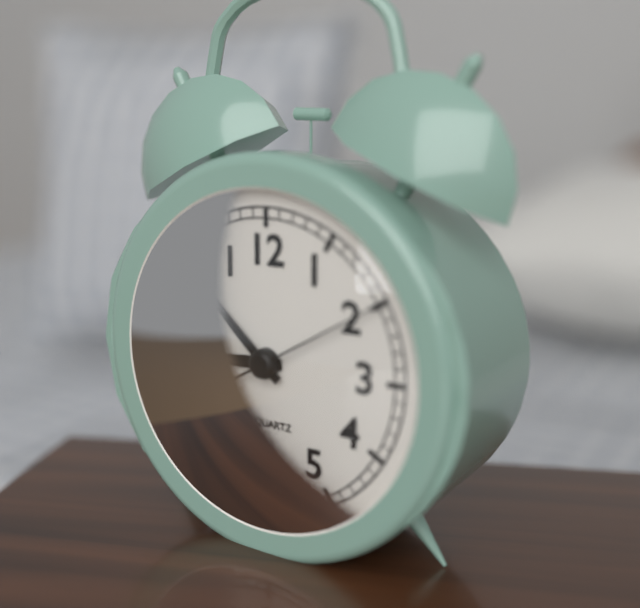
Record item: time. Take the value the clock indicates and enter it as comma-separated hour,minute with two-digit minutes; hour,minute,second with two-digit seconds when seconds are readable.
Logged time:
8,52,10
